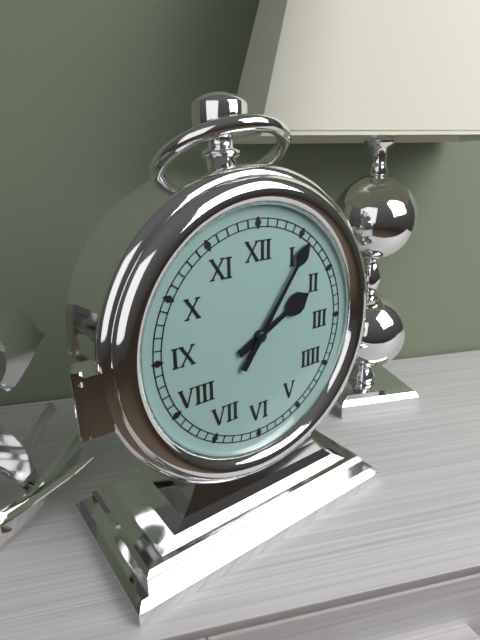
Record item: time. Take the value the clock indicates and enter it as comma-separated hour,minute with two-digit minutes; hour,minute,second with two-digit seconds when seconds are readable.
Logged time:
2,06
